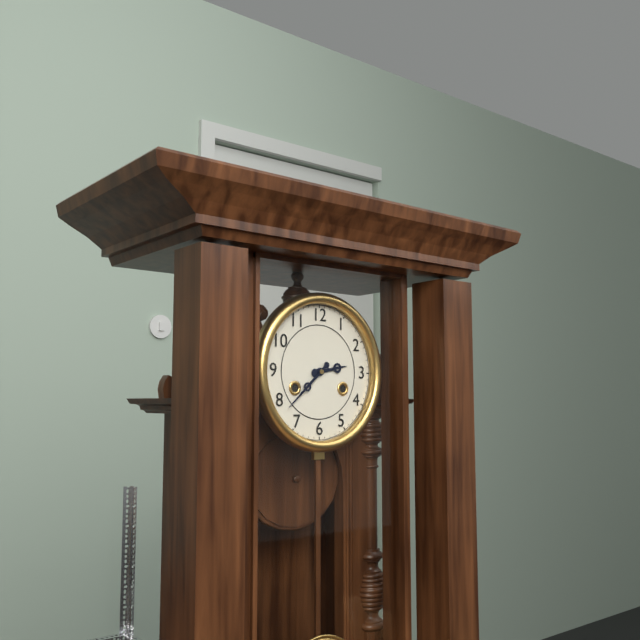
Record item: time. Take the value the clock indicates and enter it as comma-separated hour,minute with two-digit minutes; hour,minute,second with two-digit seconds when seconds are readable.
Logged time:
2,38
